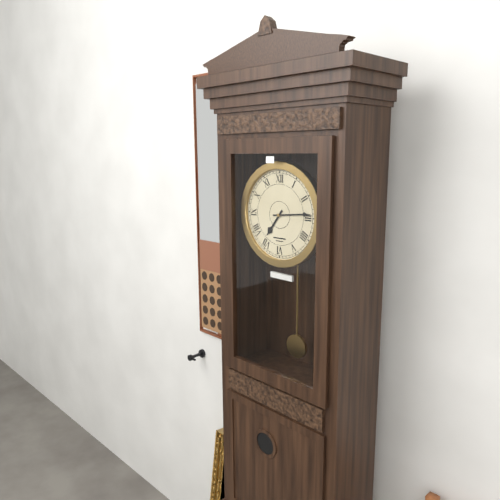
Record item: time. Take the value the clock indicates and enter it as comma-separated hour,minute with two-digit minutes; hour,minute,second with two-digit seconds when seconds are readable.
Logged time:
7,14
